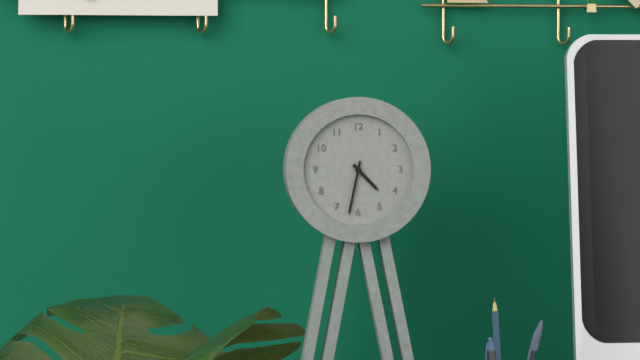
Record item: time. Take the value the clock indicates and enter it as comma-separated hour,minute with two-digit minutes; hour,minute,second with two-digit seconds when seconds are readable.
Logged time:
4,32
